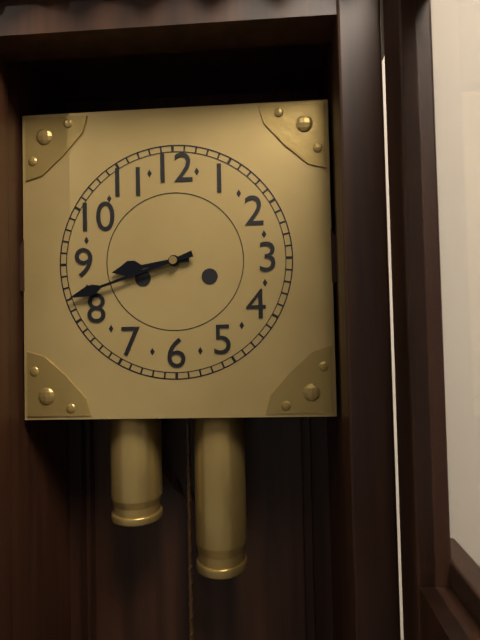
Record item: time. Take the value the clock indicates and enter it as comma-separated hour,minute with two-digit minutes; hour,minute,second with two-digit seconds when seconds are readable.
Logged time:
8,42
